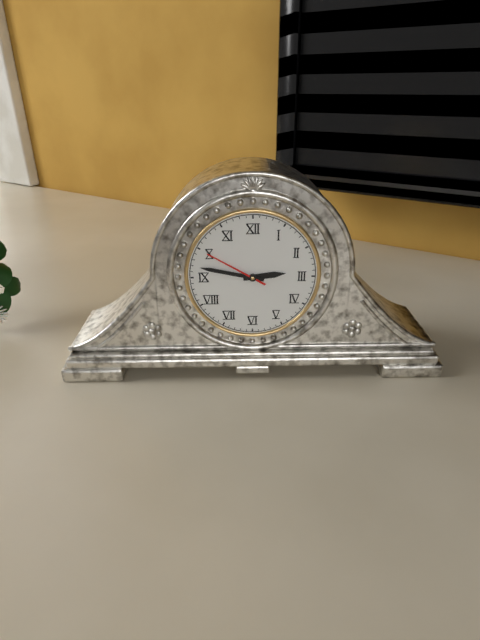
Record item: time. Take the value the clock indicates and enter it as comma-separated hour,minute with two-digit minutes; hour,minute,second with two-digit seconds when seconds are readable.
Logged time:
2,47,50
